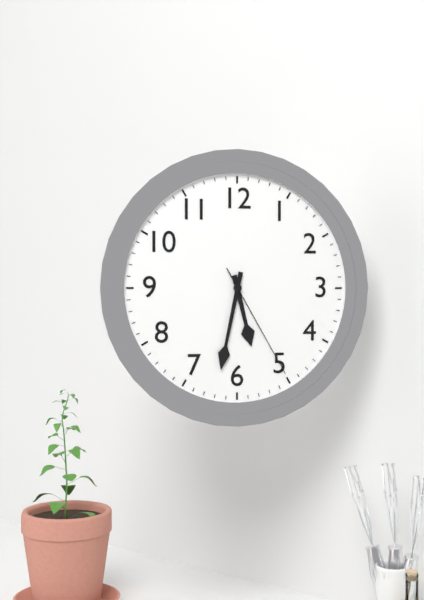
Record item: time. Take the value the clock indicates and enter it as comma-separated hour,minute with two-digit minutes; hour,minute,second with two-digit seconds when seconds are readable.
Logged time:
5,32,25
